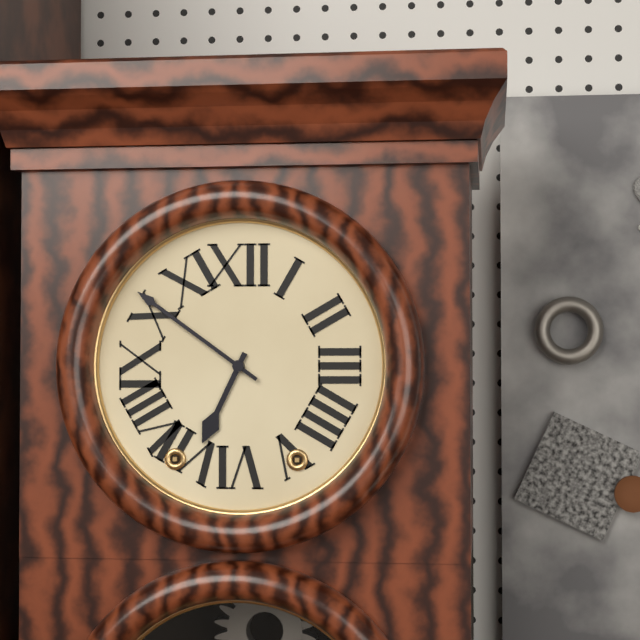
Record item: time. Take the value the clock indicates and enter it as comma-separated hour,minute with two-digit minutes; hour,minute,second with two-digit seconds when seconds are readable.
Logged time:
6,51
